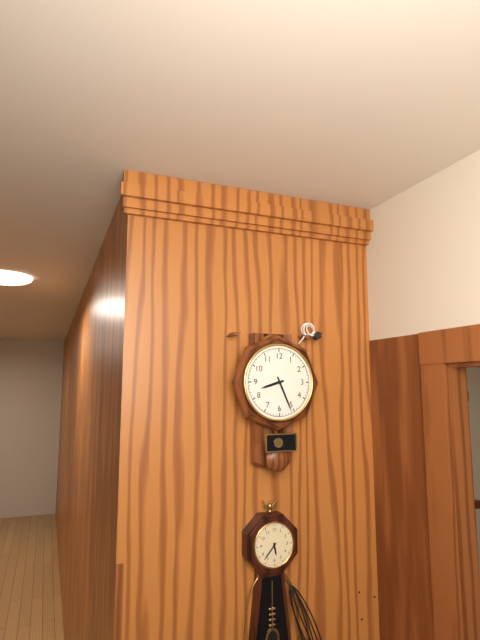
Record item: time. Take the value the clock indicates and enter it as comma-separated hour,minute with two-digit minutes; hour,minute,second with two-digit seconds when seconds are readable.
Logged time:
8,26
